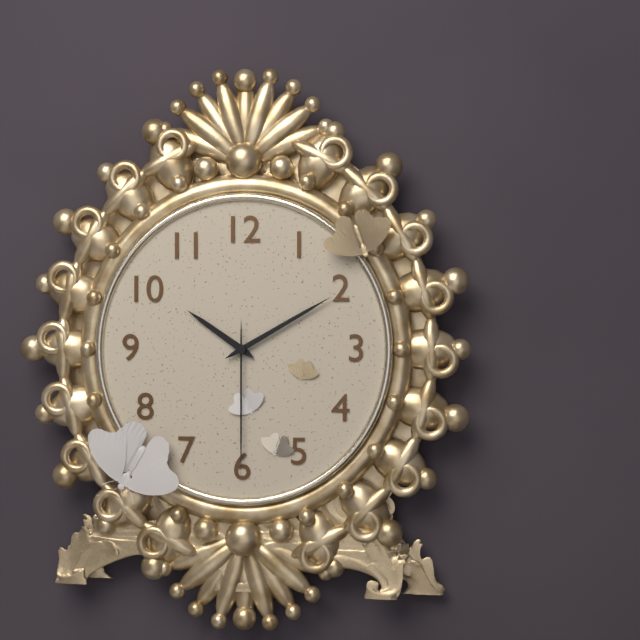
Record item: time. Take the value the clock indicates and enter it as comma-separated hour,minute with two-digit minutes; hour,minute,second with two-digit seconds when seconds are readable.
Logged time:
10,10,30
